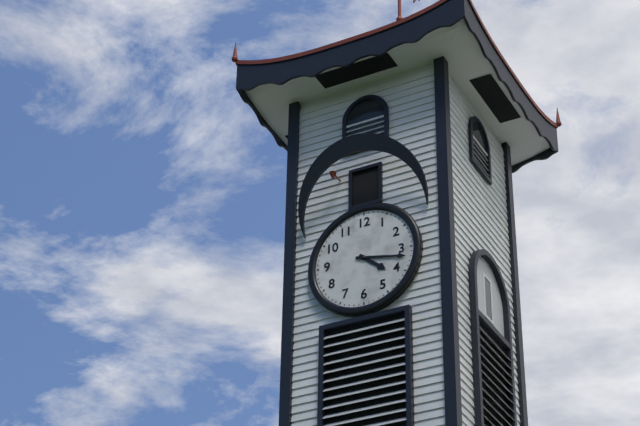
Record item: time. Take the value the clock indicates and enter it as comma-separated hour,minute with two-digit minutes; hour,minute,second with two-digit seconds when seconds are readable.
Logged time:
4,17
